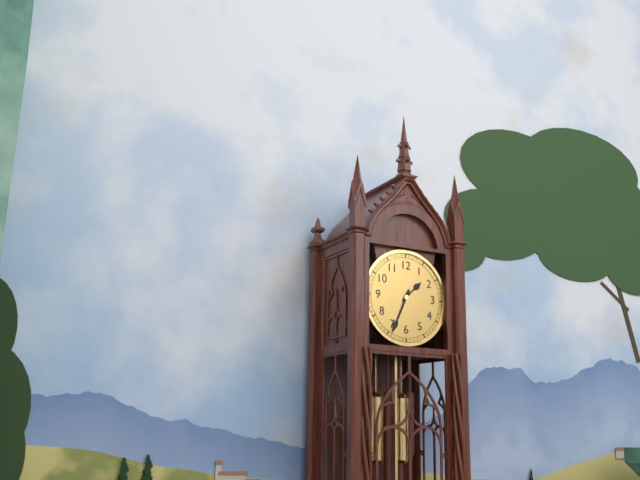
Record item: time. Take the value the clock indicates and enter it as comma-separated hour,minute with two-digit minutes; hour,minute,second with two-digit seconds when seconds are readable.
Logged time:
1,34
